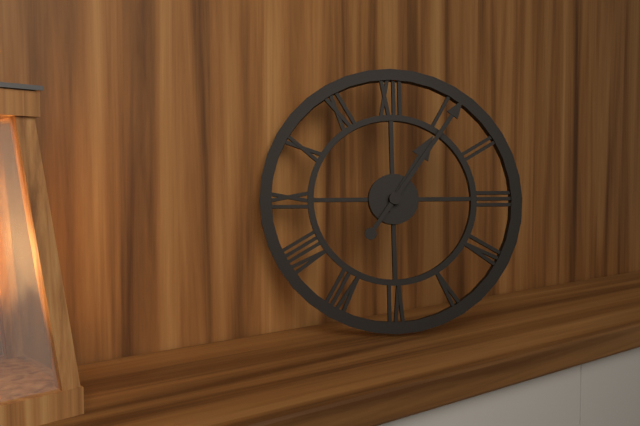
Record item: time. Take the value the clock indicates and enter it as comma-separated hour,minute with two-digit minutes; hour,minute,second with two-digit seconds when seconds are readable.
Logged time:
1,06
